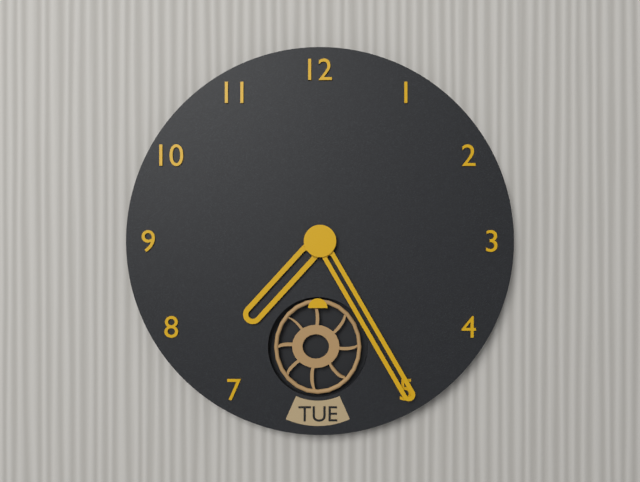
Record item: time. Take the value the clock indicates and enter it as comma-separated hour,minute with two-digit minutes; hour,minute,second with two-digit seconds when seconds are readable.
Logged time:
7,25
